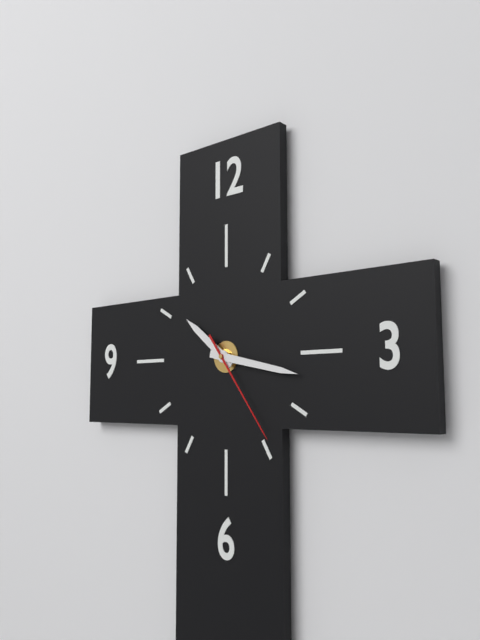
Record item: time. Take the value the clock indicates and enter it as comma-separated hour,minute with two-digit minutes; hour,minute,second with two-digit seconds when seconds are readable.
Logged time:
10,17,24
